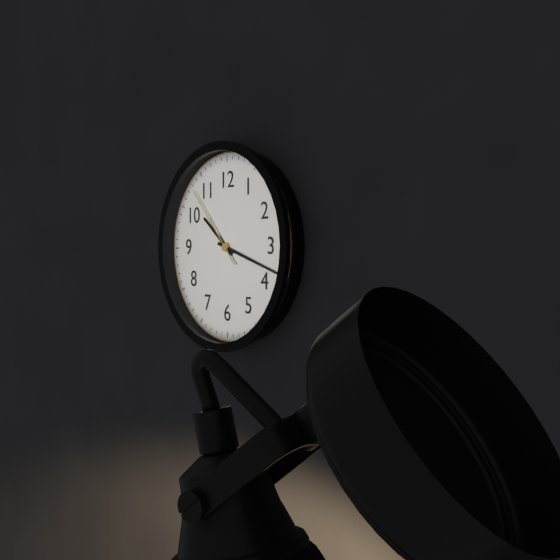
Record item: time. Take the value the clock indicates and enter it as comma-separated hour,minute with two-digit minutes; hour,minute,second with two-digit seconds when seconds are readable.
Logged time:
10,18,53
